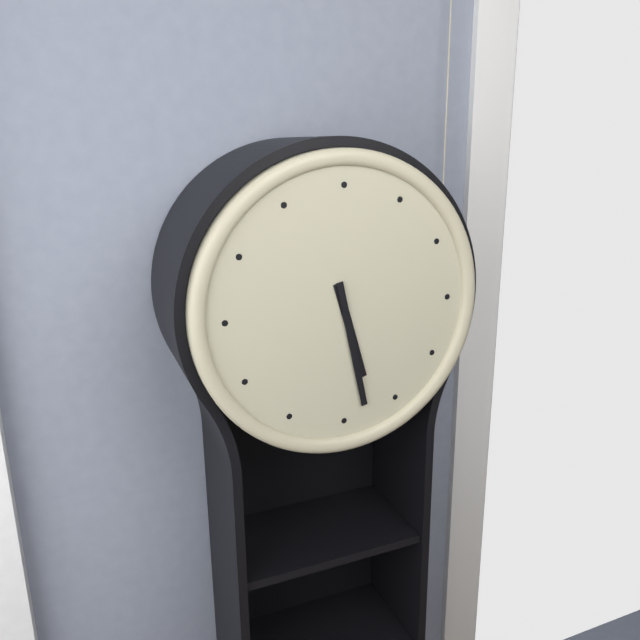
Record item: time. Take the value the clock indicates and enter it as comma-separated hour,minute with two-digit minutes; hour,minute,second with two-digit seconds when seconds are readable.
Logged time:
5,28
